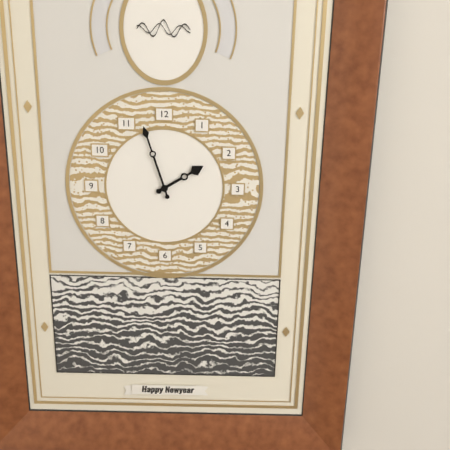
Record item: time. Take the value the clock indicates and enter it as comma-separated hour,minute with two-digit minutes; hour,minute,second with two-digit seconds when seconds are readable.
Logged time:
1,57
